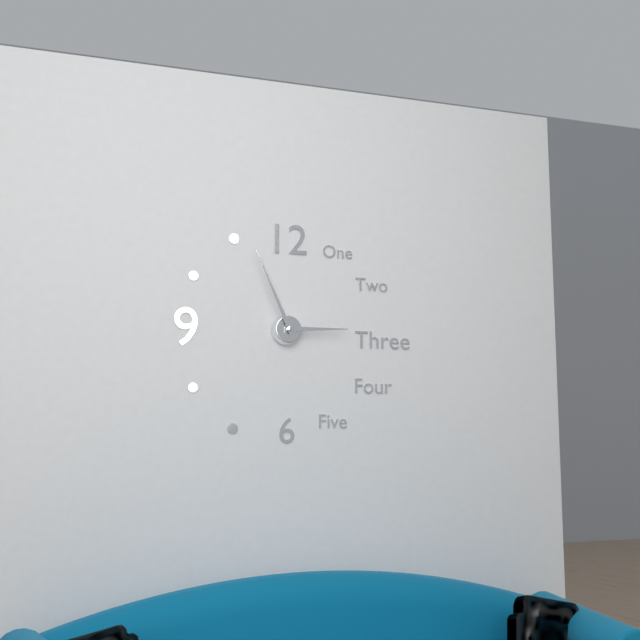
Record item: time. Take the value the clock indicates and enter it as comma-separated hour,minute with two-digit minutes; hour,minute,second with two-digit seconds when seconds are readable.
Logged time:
2,56
